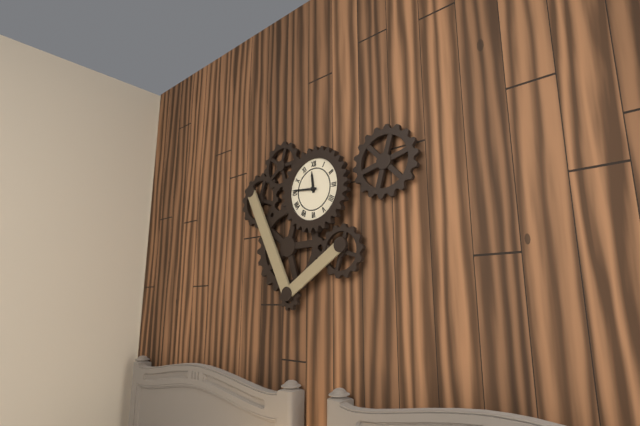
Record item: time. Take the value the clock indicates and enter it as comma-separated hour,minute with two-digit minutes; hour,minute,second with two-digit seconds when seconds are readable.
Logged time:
11,46
